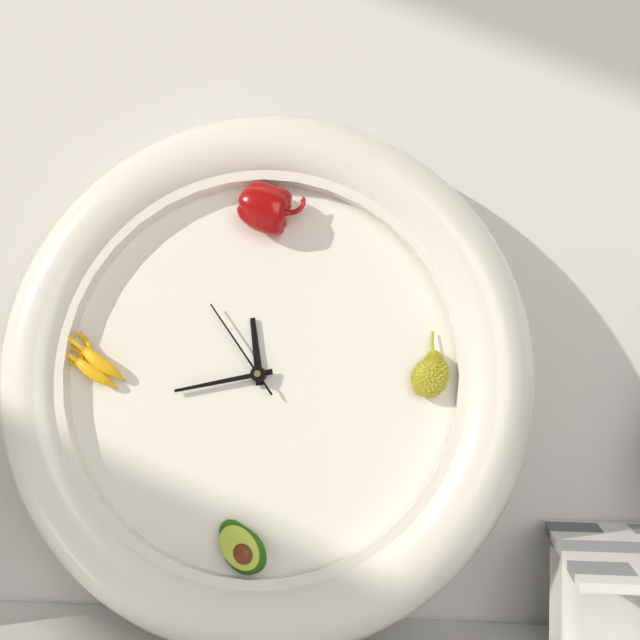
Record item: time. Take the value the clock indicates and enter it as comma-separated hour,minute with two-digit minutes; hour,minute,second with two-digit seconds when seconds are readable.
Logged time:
11,43,54
